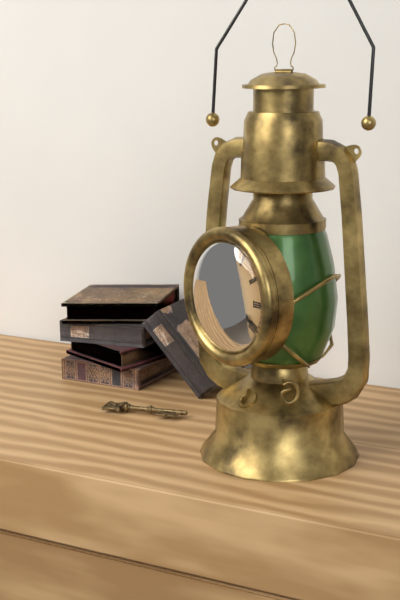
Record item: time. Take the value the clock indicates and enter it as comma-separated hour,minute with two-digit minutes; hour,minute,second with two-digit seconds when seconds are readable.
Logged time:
1,19
